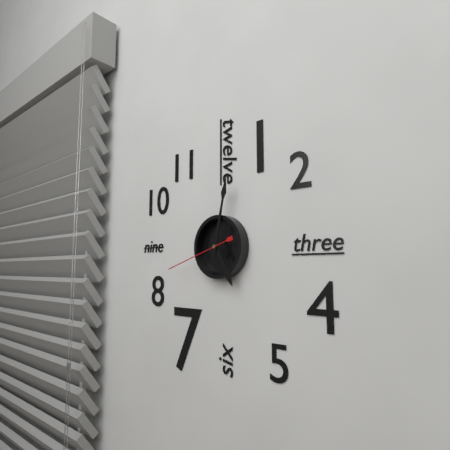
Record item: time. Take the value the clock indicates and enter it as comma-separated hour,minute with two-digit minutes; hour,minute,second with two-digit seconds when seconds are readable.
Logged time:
5,02,42
